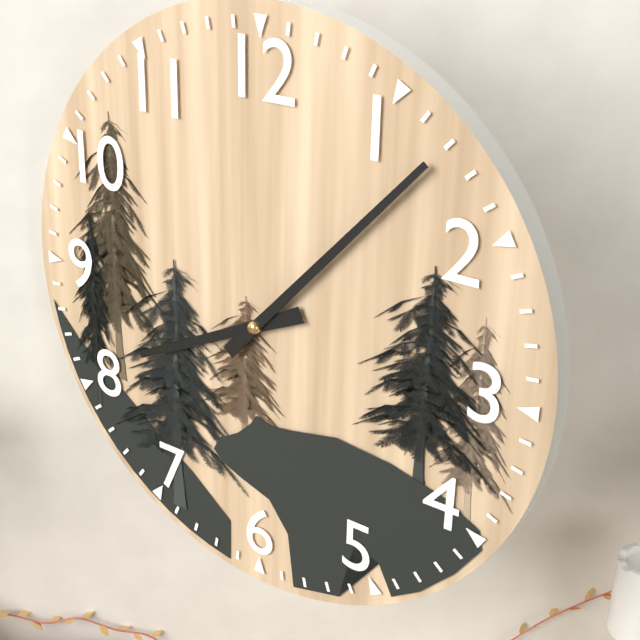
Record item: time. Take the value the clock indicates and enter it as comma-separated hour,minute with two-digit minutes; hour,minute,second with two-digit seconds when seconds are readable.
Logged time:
8,07
